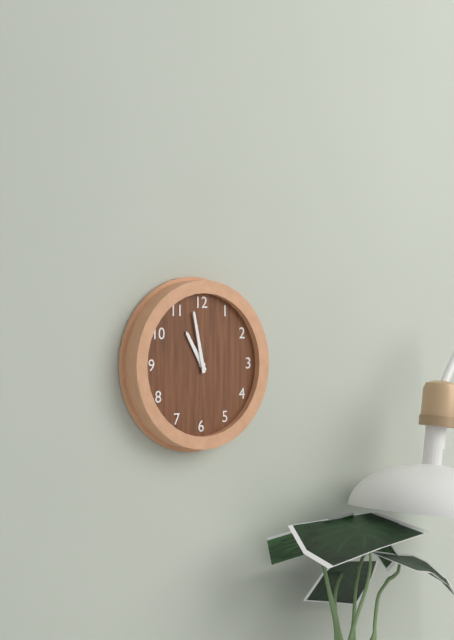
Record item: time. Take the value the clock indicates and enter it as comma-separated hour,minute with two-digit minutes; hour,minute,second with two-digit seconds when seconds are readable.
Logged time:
10,58
